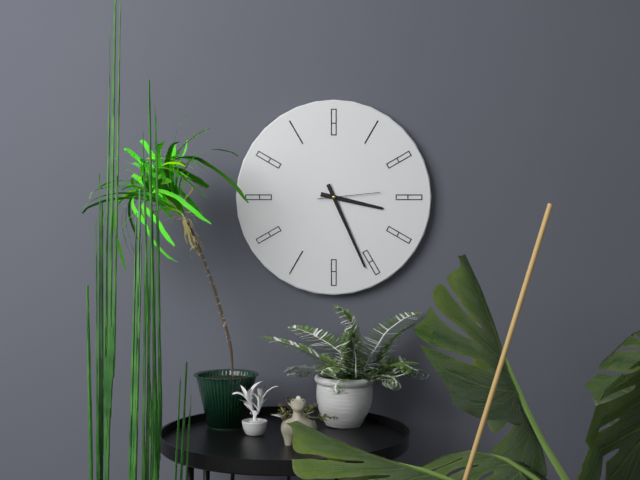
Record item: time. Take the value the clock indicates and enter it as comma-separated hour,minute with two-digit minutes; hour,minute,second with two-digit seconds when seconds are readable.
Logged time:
3,26,14
